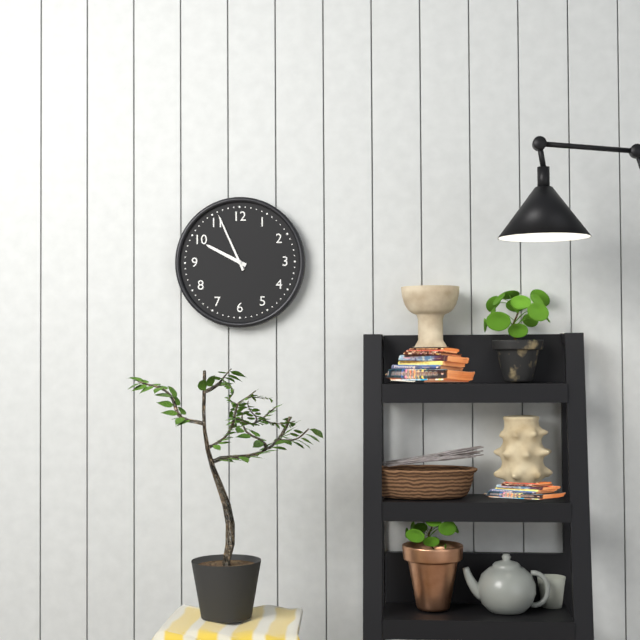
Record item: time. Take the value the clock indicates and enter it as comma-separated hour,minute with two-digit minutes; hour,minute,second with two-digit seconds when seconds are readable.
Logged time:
9,56
